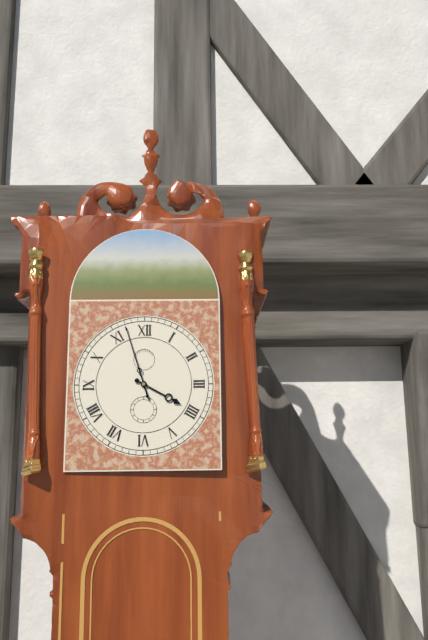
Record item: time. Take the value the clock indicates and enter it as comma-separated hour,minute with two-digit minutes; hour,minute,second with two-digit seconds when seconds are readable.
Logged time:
3,57
